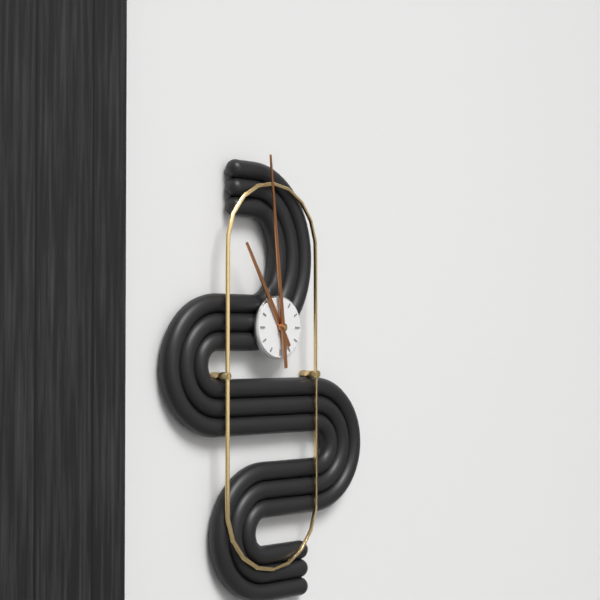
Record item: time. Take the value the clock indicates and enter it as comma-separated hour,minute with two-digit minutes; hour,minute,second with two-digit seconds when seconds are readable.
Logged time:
10,59
